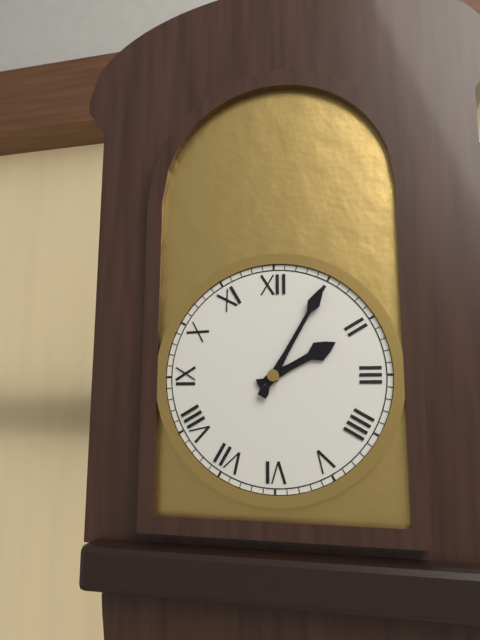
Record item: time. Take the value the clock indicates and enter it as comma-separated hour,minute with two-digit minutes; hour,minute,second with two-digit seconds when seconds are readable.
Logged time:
2,05
